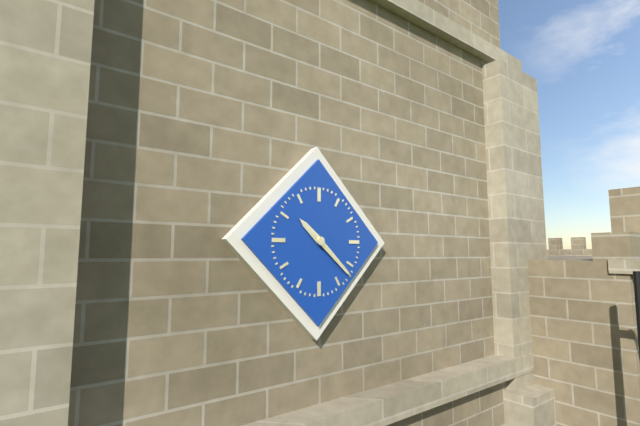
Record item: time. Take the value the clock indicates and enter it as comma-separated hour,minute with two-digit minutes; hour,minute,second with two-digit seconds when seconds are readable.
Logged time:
10,22
